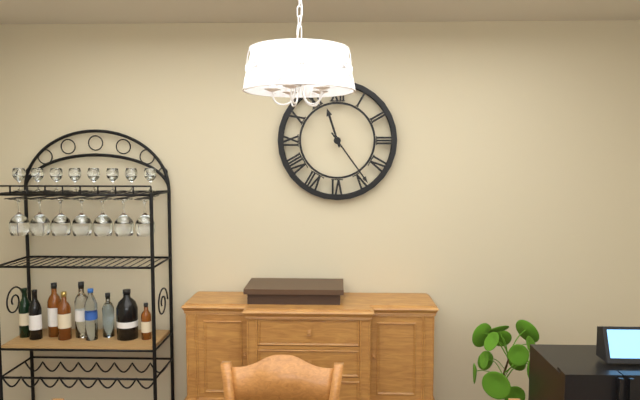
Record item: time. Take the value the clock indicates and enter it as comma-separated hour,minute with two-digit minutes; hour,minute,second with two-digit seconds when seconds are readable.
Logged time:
11,24
